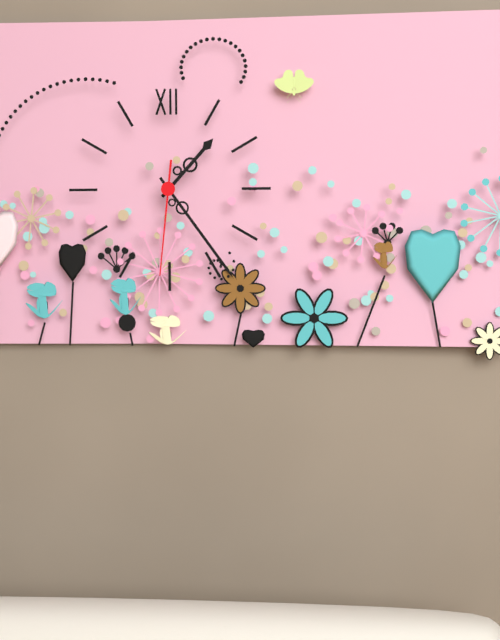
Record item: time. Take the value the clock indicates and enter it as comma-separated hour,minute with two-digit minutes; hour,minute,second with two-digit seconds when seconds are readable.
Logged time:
1,24,31
